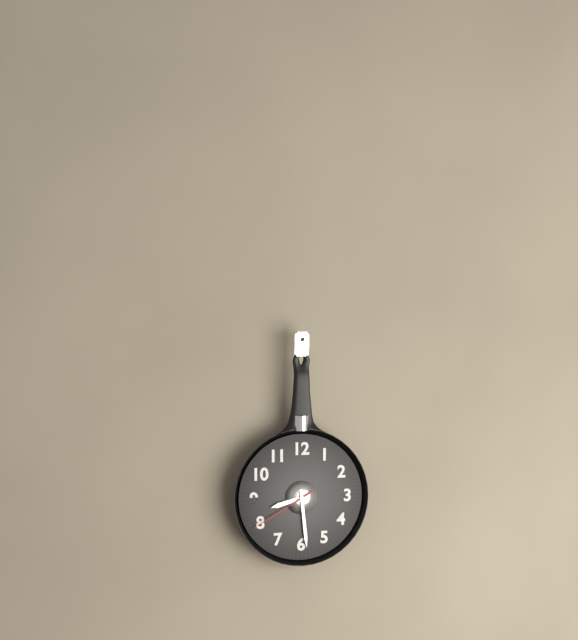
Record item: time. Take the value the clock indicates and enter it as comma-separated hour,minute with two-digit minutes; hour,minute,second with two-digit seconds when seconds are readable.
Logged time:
8,29,40
